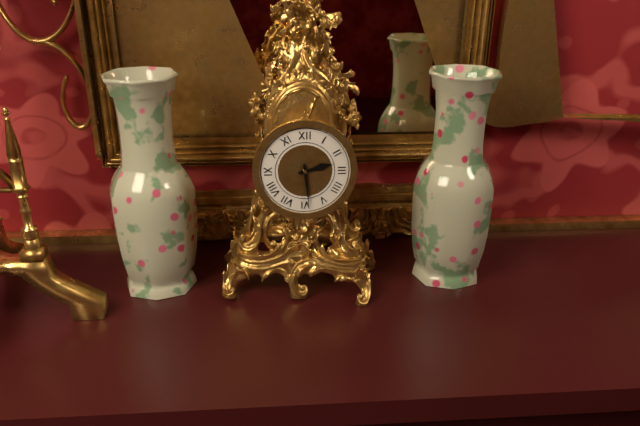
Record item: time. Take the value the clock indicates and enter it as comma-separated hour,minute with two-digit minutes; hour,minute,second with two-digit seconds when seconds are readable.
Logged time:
2,29
